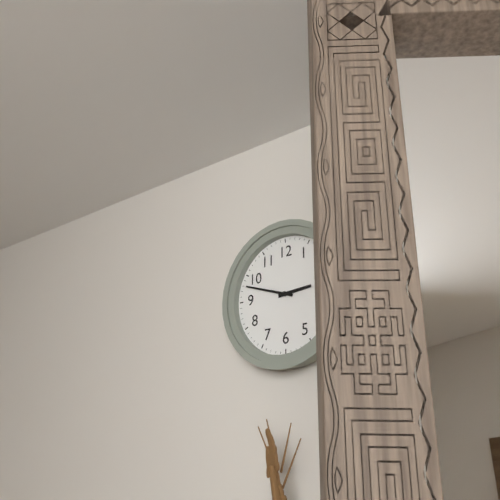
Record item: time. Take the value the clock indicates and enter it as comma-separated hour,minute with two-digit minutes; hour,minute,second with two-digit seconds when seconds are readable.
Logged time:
2,48
